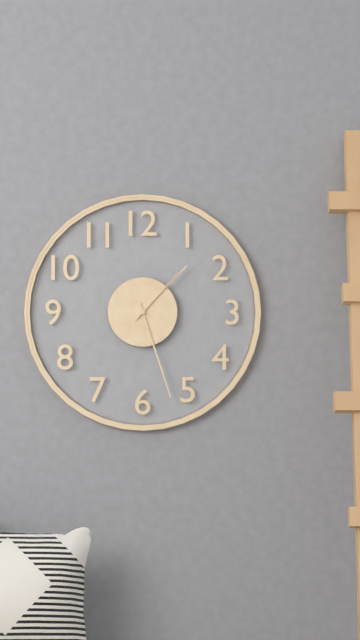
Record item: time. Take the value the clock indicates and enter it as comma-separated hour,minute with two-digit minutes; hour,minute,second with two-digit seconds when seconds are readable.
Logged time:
1,27,07
